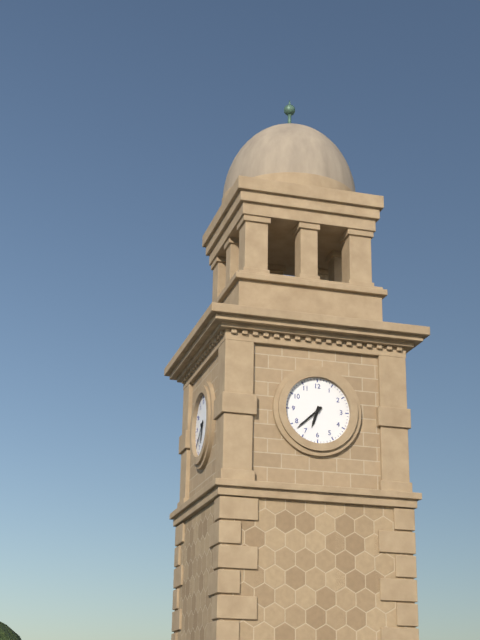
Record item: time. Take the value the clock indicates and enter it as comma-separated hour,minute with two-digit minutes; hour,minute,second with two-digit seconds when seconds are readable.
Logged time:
6,38
